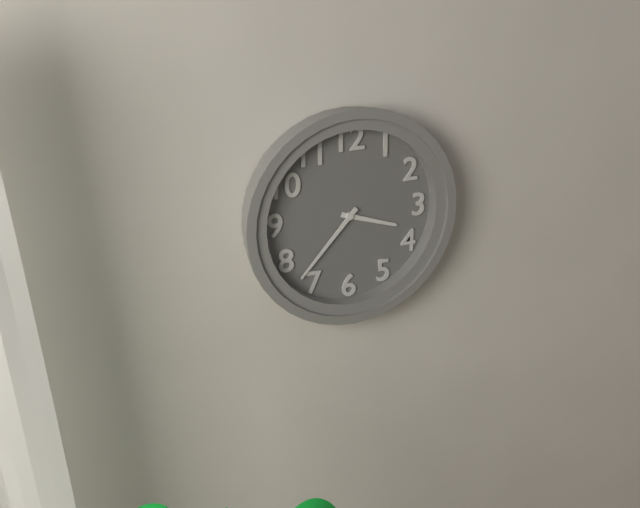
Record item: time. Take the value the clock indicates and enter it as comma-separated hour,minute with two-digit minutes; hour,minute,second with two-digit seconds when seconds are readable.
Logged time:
3,37
